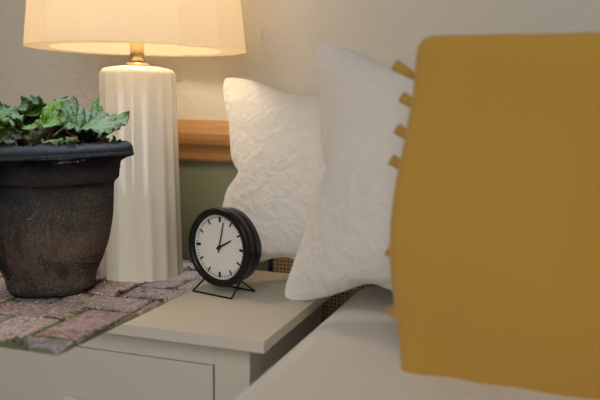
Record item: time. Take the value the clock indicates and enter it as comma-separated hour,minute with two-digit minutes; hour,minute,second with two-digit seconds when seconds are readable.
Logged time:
2,02
